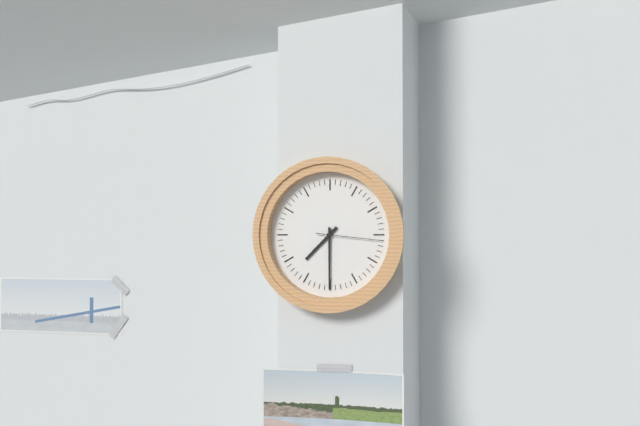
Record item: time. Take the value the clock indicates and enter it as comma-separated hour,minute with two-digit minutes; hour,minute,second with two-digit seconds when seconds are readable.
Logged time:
7,30,16
